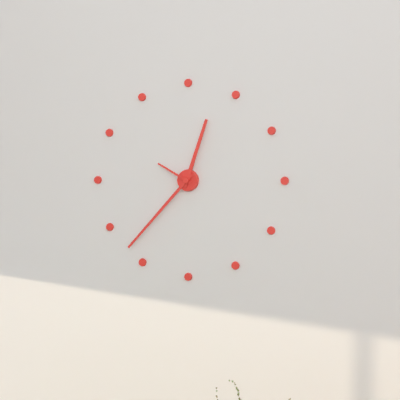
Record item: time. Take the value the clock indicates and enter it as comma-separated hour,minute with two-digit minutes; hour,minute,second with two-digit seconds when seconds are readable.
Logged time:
12,37
